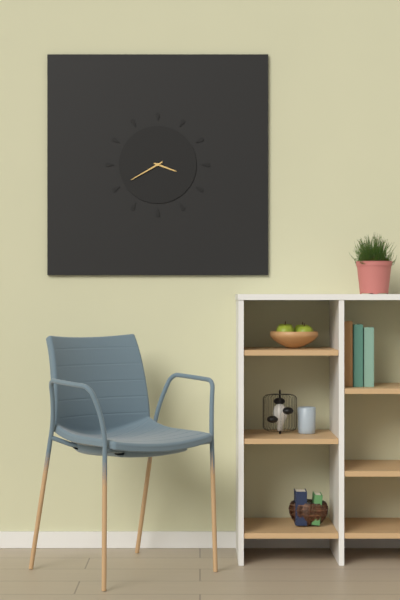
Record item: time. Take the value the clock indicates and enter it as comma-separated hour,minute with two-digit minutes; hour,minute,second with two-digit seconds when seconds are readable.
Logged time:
3,40
